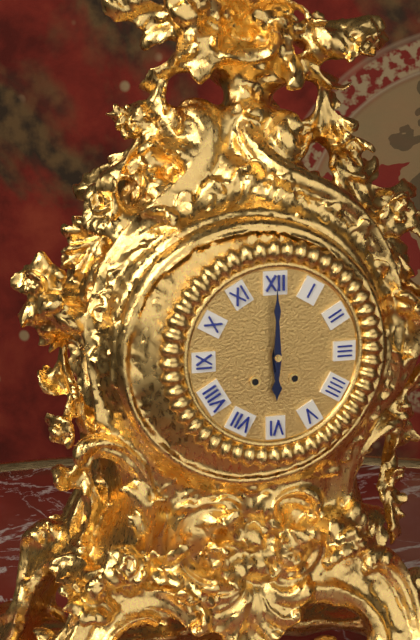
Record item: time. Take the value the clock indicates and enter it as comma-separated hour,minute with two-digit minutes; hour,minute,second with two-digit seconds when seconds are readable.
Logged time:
6,00
